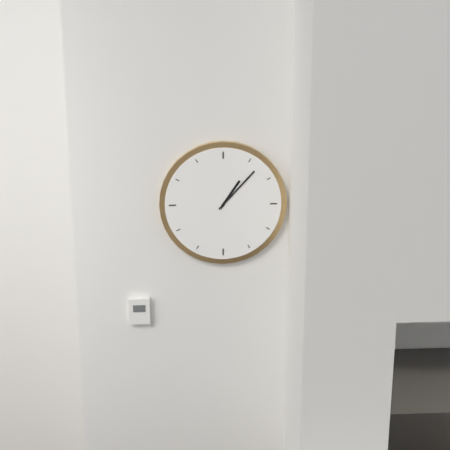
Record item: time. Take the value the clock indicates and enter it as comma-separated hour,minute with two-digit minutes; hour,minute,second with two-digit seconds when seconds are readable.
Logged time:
1,07
